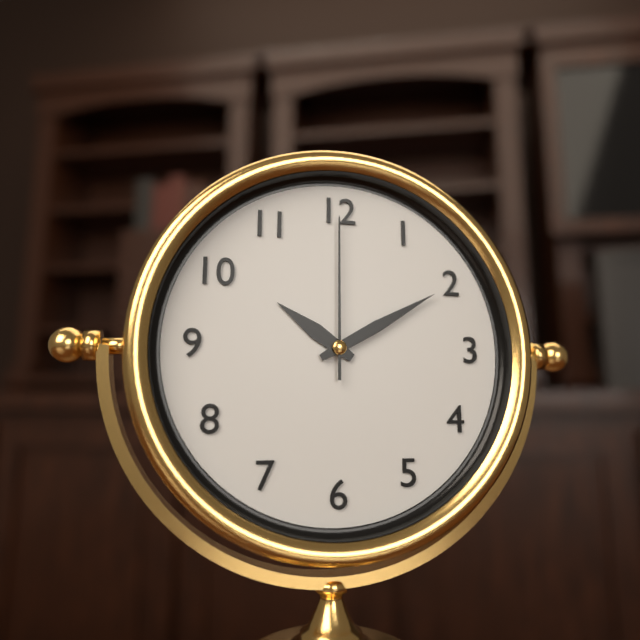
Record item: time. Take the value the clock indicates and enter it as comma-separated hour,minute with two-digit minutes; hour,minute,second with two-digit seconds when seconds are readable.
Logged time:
10,10,00
